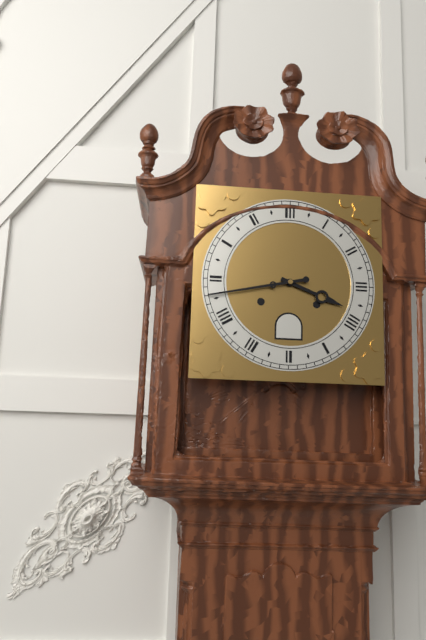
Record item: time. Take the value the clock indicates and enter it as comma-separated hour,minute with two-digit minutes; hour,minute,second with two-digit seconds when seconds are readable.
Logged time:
3,43
